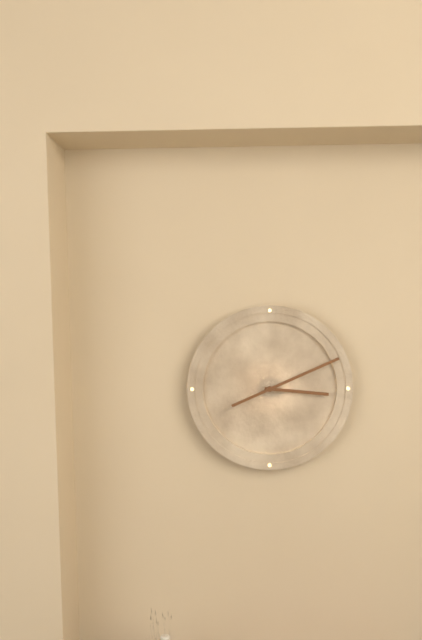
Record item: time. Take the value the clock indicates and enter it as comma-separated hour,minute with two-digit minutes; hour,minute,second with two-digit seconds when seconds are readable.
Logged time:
3,11
